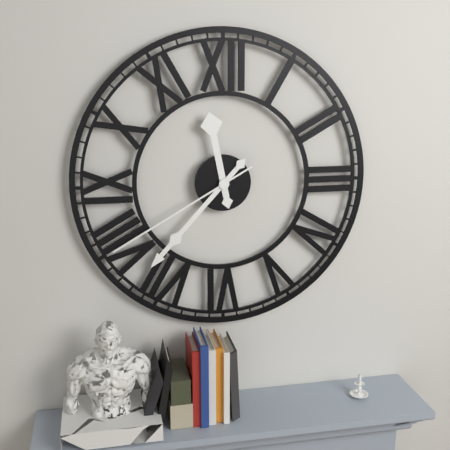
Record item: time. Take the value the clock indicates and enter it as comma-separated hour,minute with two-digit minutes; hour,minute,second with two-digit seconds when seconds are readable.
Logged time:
11,37,40
